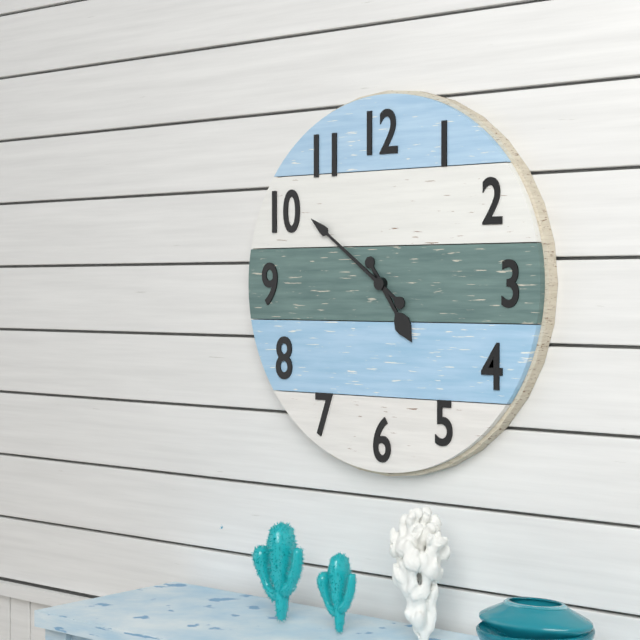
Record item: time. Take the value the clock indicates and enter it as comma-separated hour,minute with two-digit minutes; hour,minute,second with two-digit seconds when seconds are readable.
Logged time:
4,51
